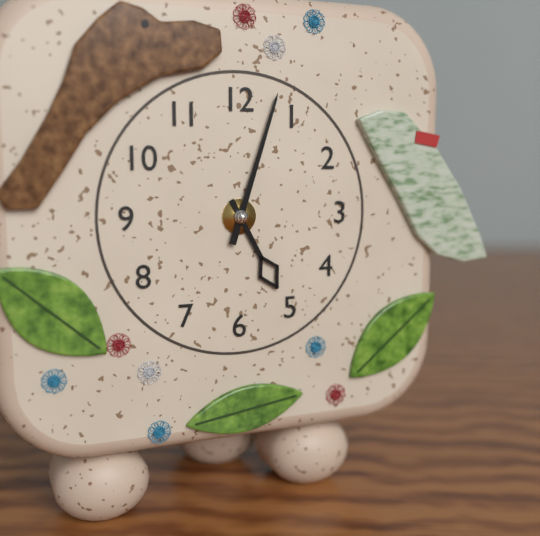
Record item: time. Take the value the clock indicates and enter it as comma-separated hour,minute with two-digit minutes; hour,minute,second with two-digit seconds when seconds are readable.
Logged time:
5,03
